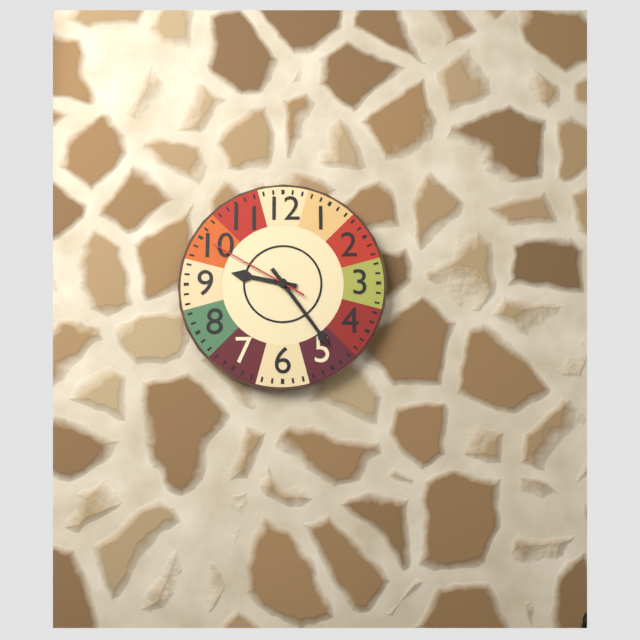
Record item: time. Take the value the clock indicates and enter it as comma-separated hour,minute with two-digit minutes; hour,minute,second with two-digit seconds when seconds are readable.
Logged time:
9,24,50
